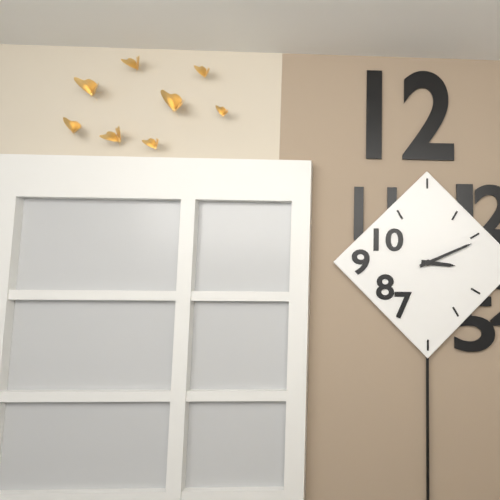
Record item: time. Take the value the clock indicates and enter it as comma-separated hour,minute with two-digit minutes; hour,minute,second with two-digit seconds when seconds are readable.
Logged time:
3,11
